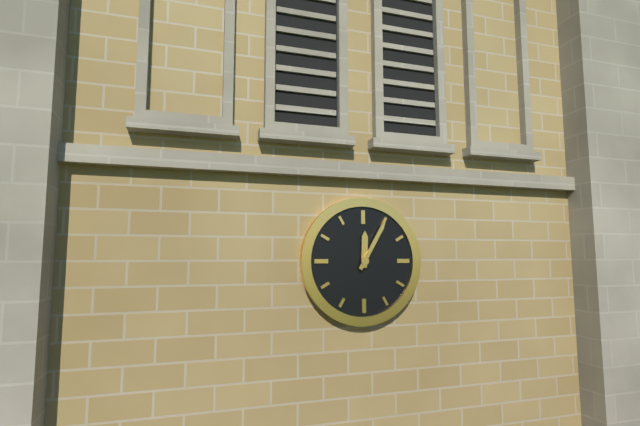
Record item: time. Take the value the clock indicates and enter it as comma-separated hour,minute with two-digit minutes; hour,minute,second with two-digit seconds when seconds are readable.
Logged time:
12,05
